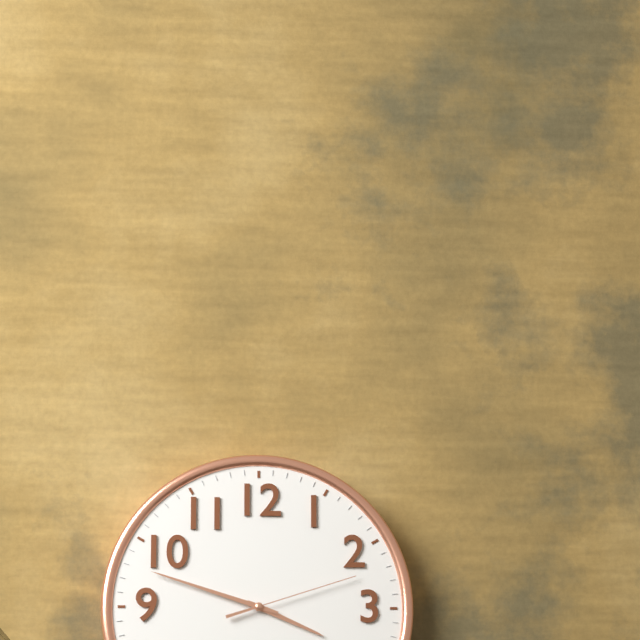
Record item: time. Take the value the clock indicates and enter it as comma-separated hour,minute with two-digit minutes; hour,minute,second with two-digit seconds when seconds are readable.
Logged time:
3,48,12
